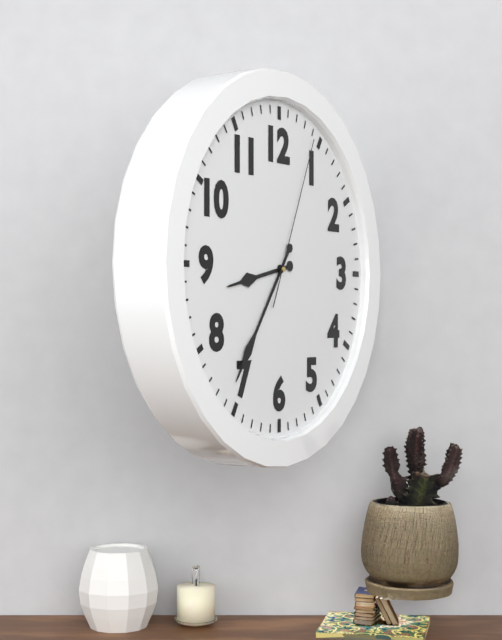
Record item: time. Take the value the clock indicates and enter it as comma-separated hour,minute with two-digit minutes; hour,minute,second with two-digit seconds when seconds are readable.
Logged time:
8,36,04
